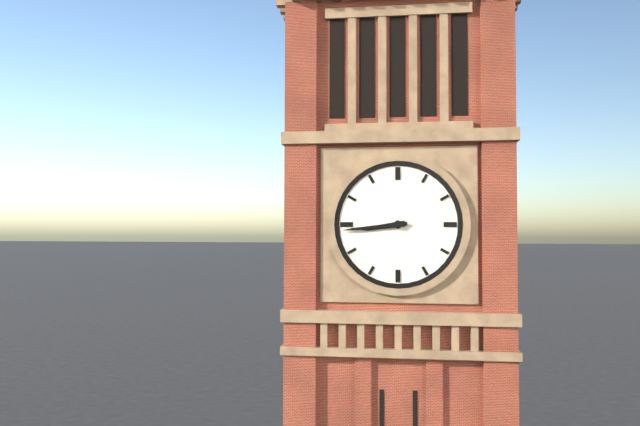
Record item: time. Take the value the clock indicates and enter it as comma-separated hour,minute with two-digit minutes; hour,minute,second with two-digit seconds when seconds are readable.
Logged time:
8,44
